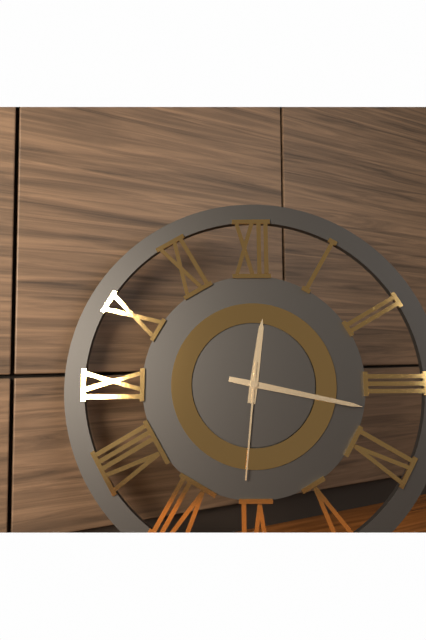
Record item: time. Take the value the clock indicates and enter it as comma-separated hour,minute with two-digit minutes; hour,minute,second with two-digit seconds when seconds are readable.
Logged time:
12,17,31
